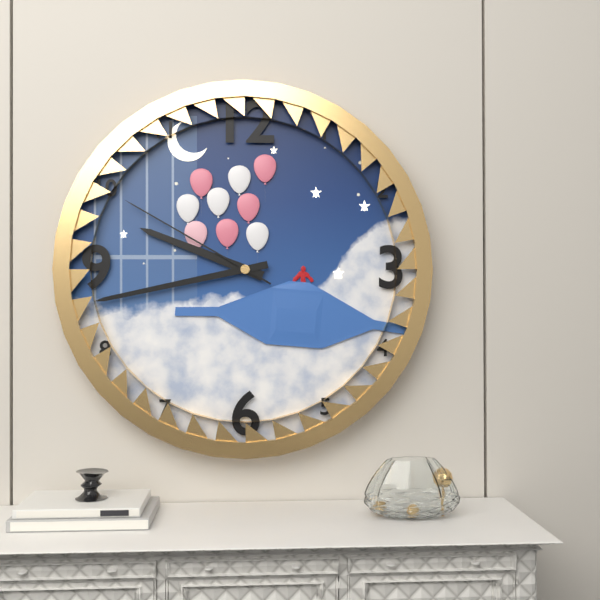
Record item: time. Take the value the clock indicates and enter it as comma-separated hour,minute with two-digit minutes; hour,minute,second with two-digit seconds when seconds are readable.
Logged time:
9,43,50
